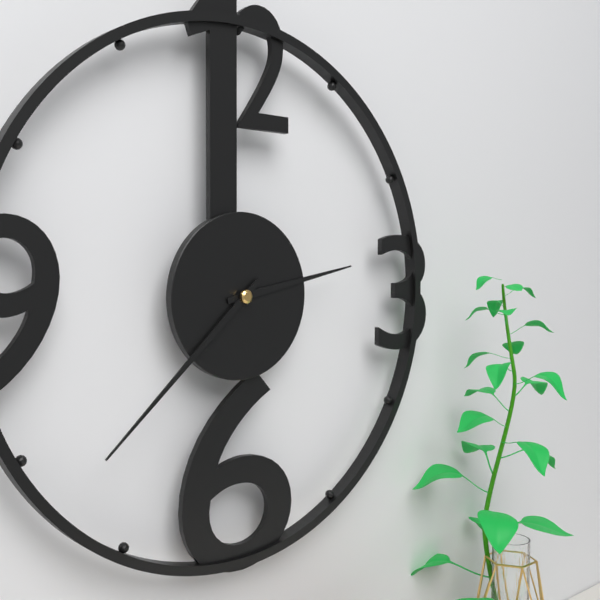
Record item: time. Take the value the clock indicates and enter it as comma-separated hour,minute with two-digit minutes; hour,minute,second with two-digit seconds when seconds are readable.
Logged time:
2,38
